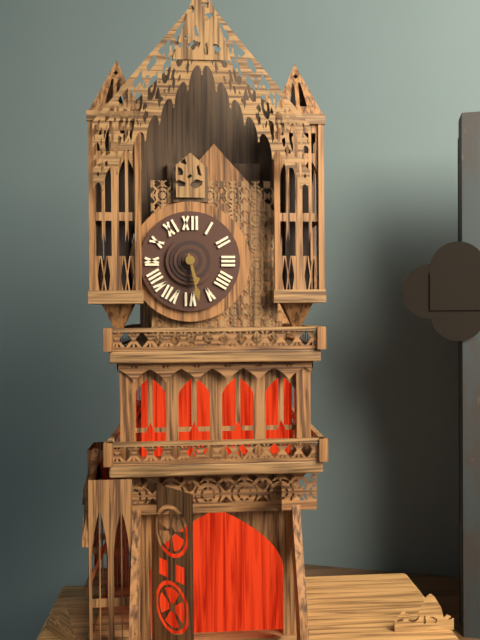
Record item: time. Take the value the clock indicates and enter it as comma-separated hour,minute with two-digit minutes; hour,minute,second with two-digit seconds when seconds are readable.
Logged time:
5,28
